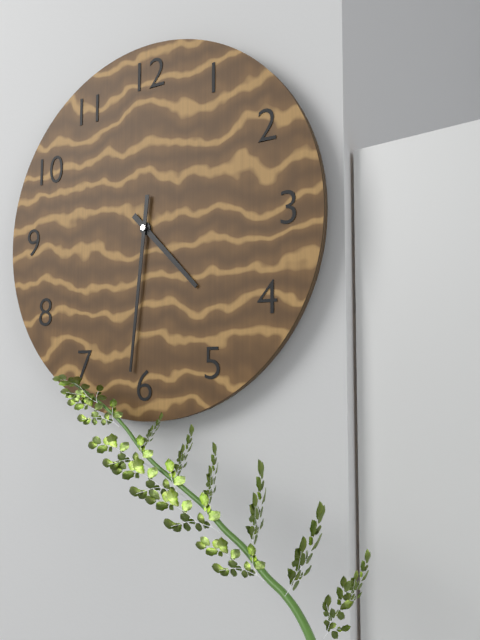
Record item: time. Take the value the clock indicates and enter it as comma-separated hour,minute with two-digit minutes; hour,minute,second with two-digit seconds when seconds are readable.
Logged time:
4,31
